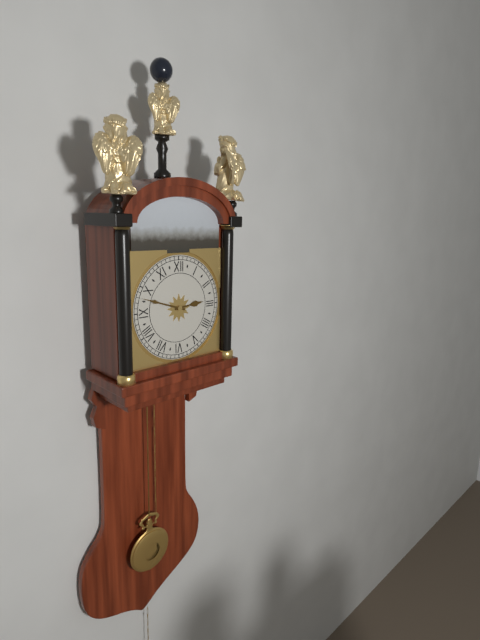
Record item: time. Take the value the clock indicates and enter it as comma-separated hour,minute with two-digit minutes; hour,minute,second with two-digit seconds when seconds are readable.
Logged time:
2,48
